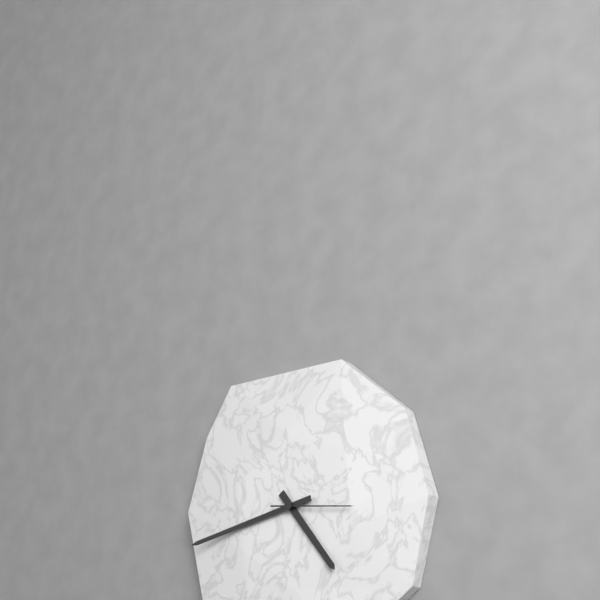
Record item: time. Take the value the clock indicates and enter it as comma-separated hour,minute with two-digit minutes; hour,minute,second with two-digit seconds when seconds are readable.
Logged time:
4,43,16
